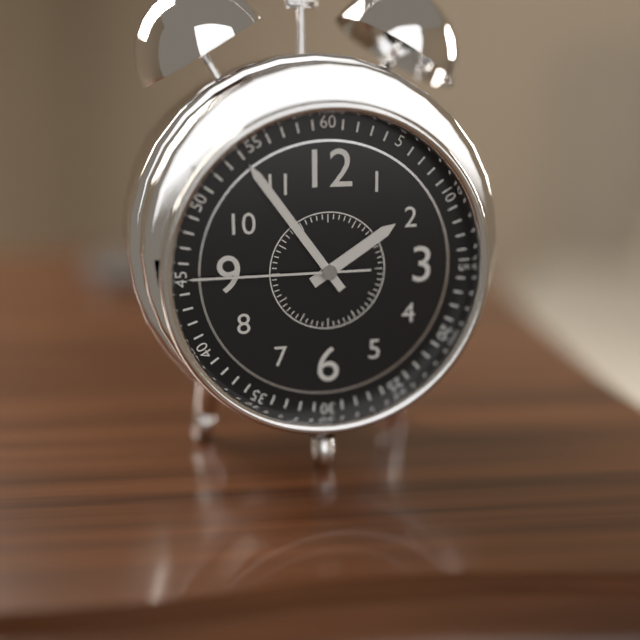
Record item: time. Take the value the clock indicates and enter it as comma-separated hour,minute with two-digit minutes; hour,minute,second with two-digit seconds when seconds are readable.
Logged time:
1,54,45
